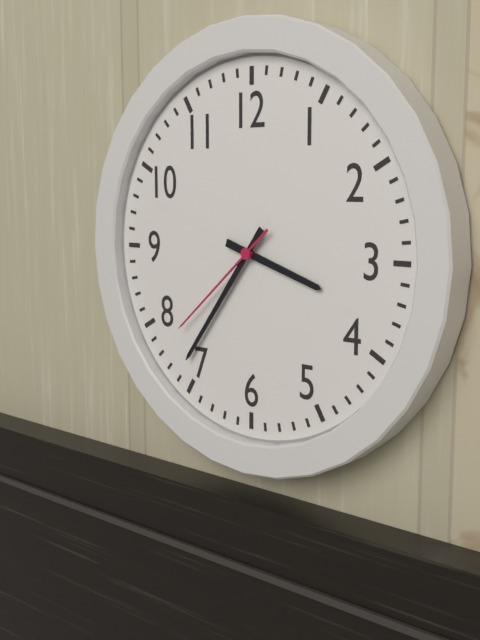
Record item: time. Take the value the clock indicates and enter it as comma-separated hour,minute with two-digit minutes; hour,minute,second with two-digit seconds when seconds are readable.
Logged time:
3,36,38
